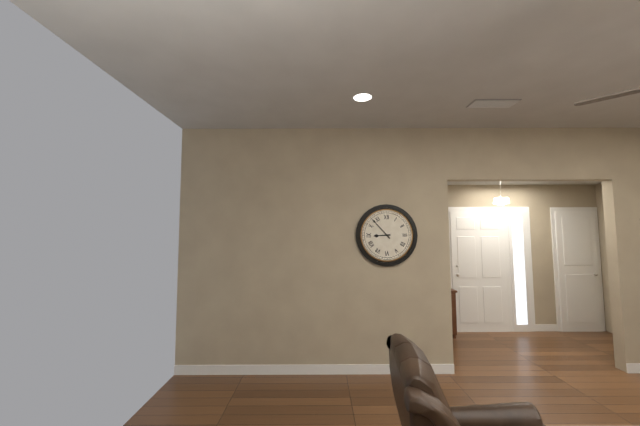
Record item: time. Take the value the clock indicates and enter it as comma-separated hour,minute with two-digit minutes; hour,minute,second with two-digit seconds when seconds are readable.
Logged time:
8,53
